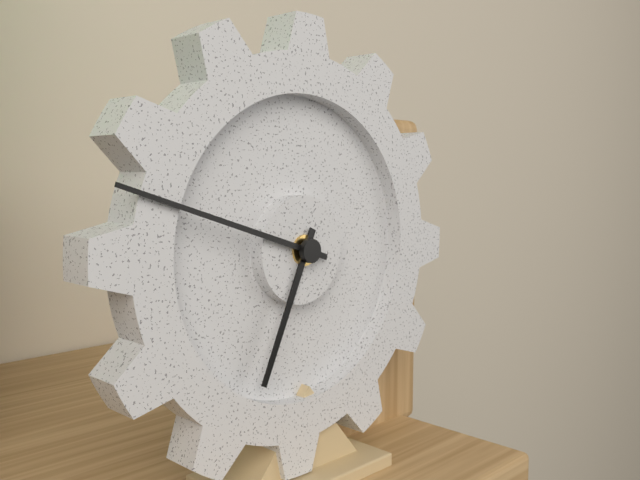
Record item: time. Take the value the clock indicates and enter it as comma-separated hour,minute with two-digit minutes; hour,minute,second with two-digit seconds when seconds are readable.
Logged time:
6,48
